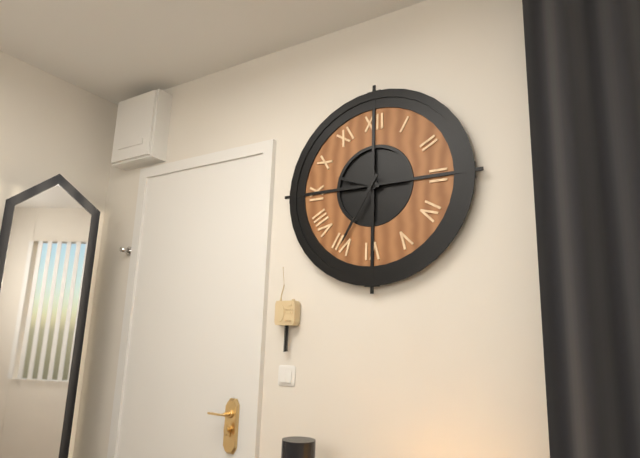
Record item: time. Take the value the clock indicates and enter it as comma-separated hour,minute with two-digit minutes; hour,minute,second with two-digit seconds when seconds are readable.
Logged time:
9,35
